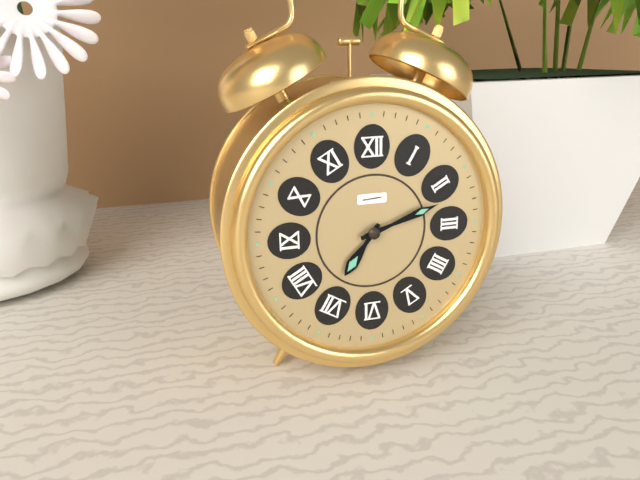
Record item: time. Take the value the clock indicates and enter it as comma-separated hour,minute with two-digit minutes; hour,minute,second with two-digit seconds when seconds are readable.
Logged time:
7,12
